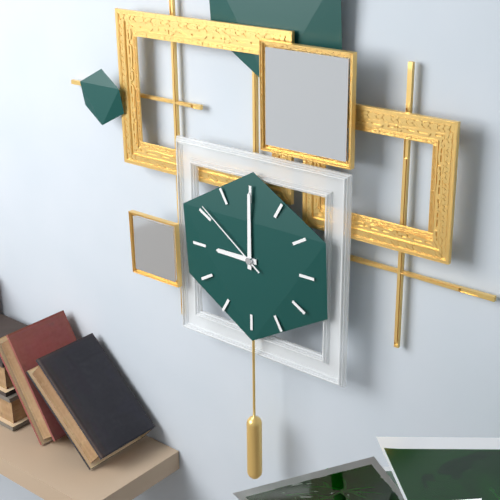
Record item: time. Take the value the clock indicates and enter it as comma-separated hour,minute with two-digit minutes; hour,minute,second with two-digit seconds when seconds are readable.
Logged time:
9,00,51
